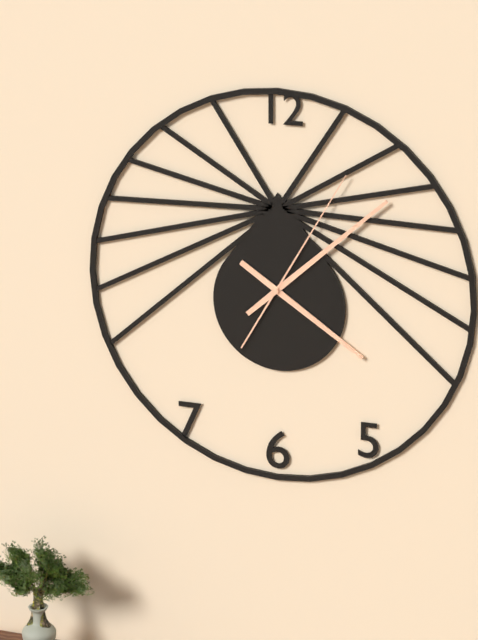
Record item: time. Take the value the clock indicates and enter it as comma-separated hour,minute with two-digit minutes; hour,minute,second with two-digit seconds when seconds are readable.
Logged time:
4,08,05
